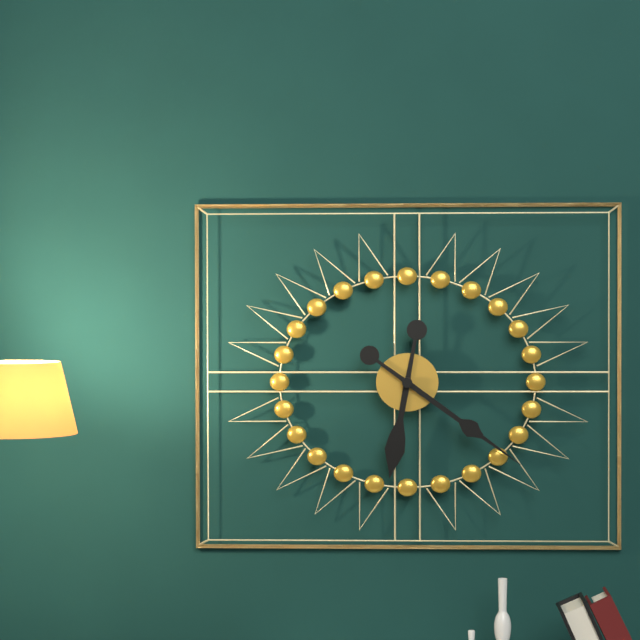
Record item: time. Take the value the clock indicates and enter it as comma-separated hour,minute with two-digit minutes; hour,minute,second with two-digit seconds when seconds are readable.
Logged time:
6,21
